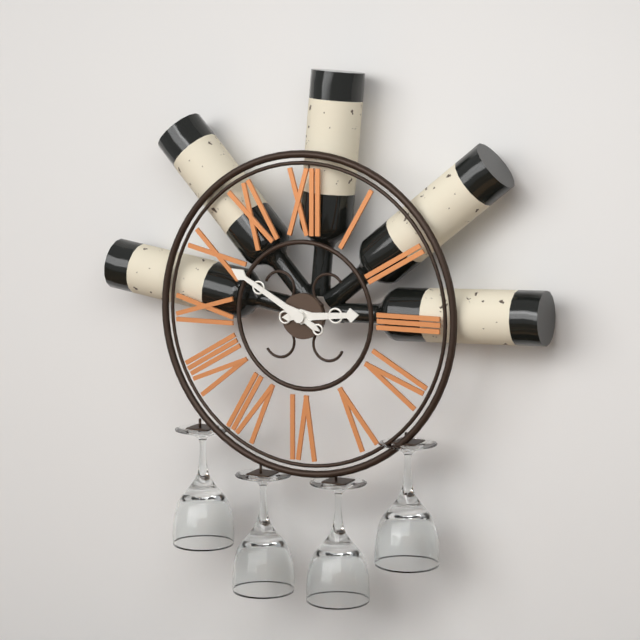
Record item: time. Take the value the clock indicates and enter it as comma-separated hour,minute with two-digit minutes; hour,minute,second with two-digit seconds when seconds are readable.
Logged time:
2,50
